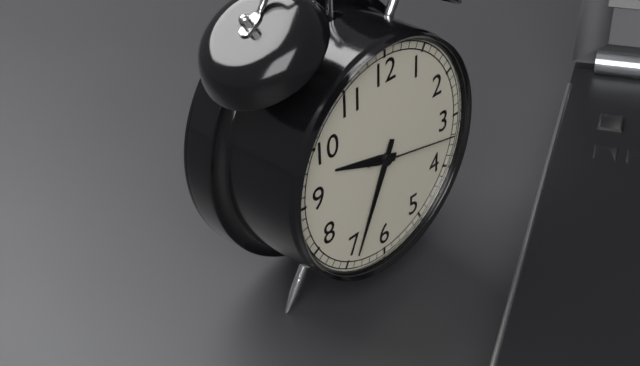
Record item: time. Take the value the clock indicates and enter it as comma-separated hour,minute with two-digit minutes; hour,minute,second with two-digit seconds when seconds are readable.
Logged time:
9,34,17
